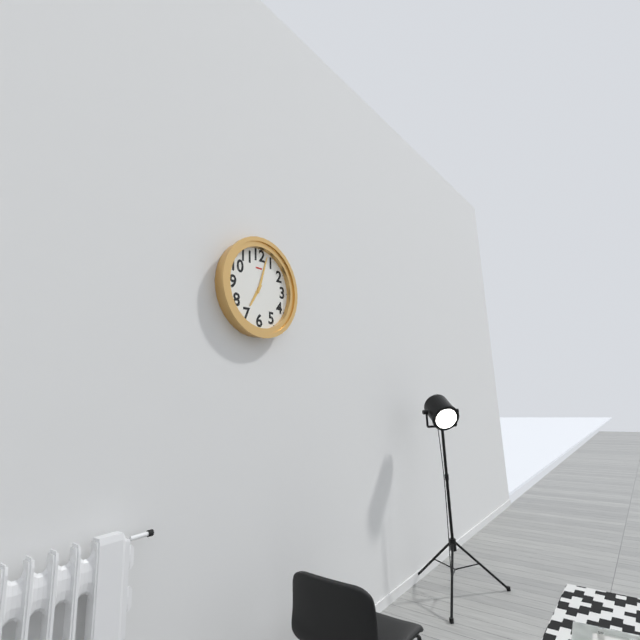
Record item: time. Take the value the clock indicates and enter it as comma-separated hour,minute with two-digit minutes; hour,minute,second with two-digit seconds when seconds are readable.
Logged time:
7,03
